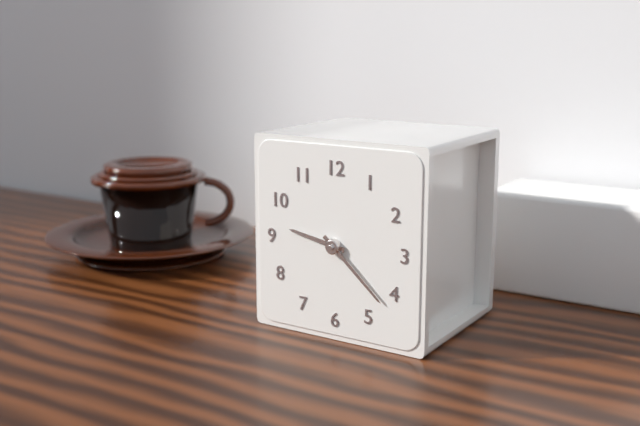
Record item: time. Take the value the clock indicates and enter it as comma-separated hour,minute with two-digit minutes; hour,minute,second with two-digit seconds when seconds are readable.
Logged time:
9,22
